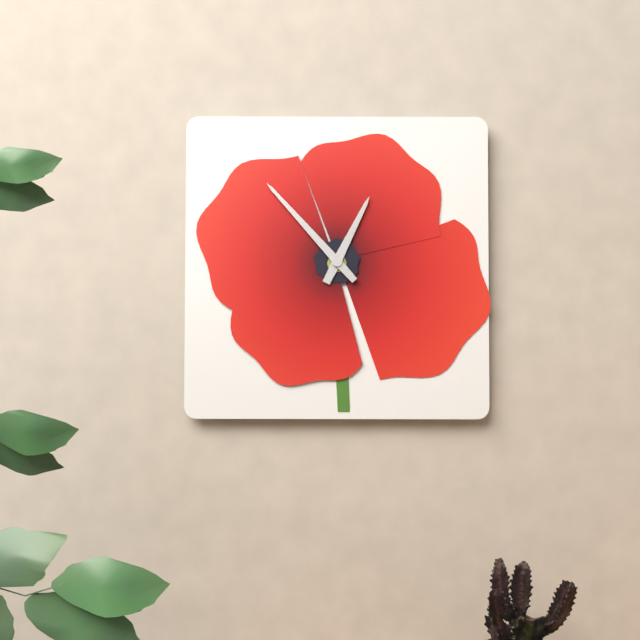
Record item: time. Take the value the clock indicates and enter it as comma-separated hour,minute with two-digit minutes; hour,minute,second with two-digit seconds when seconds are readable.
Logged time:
12,53
